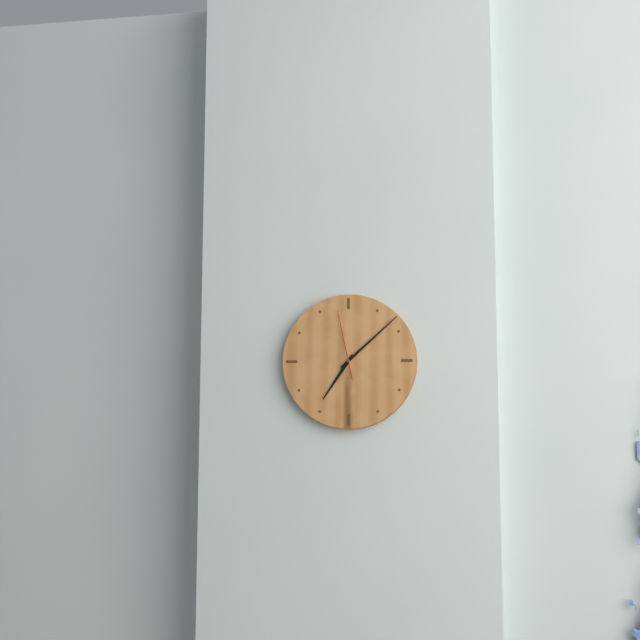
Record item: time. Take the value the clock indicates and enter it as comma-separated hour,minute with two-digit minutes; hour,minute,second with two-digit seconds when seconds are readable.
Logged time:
7,08,58
